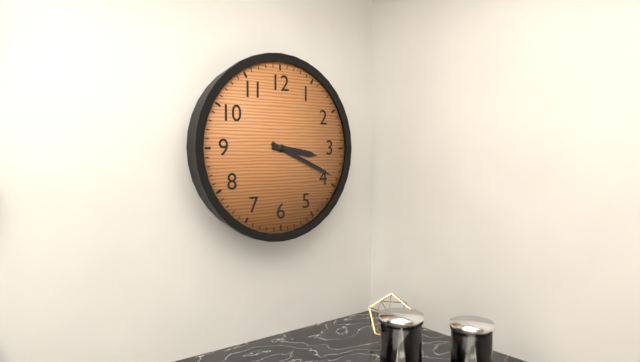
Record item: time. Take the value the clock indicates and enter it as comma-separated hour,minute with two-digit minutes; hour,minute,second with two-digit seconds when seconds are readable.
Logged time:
3,19
